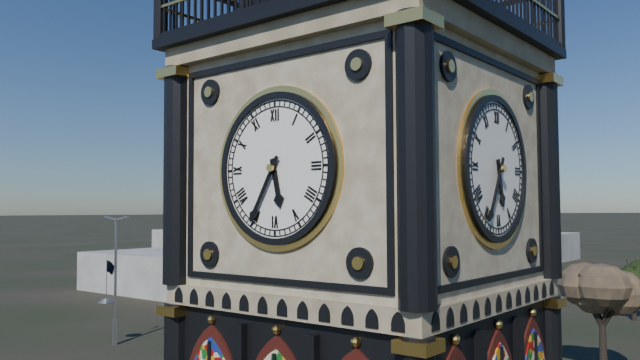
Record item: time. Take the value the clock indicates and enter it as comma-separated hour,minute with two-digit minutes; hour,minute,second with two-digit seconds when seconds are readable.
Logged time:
5,35
